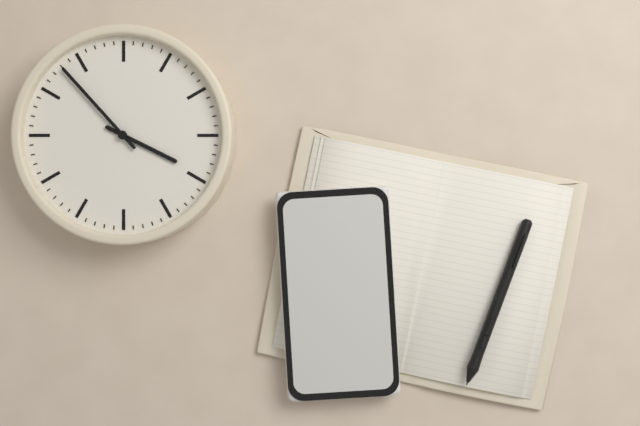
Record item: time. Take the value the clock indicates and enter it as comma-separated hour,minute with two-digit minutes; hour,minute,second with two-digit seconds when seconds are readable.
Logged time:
3,53
